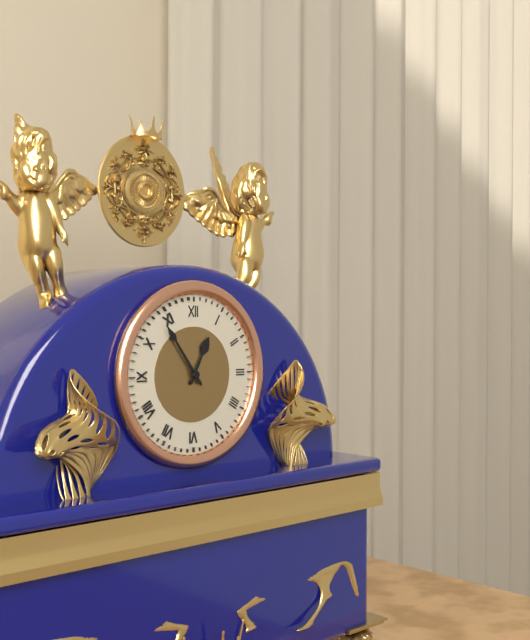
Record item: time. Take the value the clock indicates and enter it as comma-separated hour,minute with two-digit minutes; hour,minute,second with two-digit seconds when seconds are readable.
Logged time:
12,54
